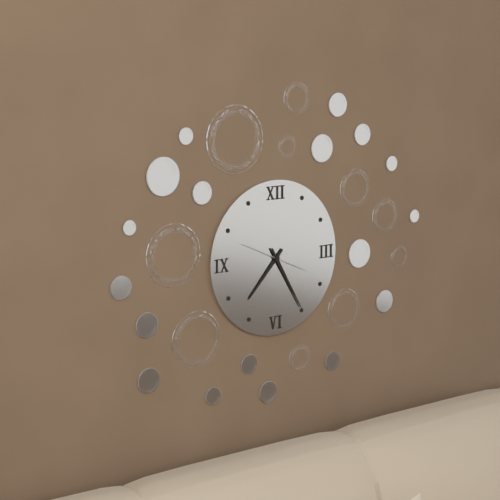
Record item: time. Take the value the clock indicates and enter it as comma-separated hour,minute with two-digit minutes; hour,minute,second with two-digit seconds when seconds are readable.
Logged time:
7,25
